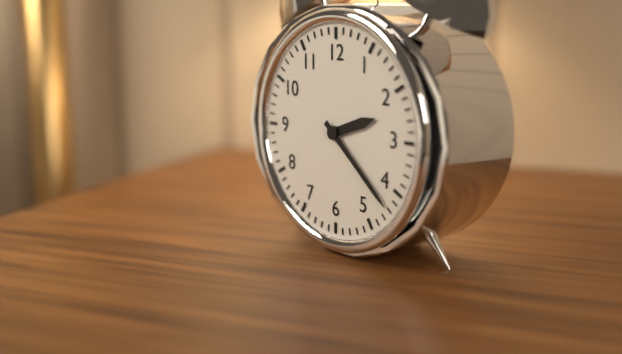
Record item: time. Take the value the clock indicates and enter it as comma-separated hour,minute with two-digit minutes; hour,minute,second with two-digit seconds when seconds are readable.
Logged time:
2,22
